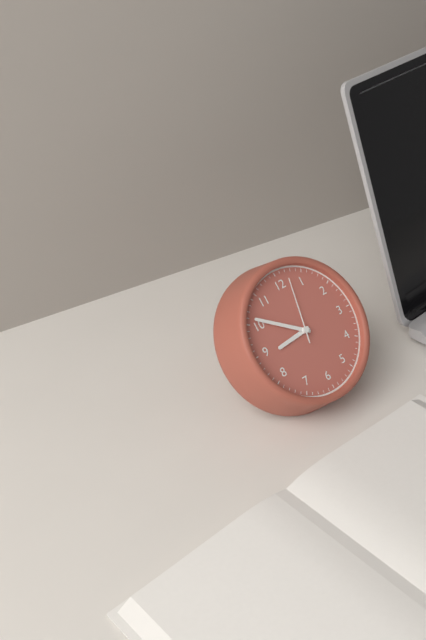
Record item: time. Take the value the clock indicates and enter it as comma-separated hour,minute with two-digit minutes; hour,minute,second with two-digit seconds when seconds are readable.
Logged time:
8,51,02
